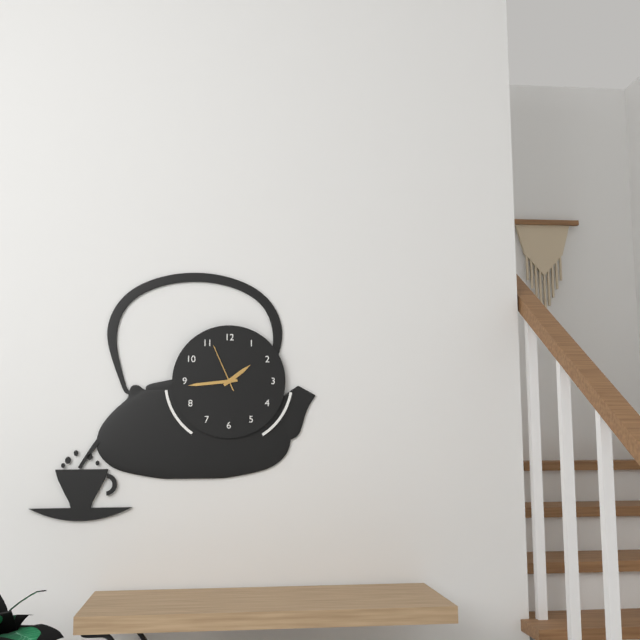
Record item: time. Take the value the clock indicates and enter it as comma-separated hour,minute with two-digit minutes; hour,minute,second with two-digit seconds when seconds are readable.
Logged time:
1,44,56
